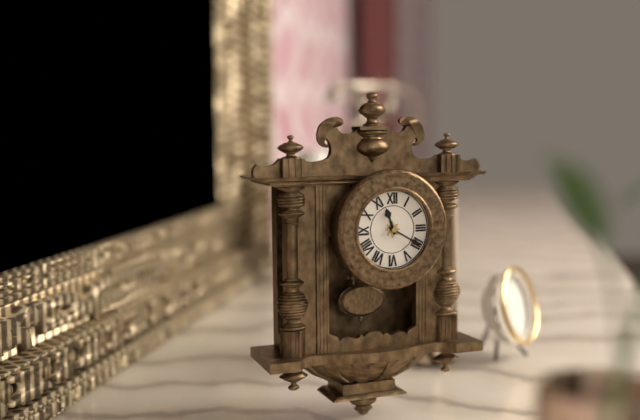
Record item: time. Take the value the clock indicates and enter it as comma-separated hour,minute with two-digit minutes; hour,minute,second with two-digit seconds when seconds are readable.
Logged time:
11,20
